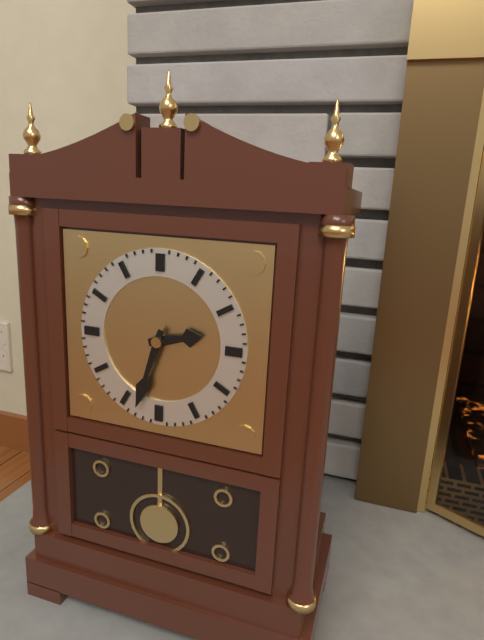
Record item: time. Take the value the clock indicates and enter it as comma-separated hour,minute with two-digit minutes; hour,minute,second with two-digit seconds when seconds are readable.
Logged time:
2,33
